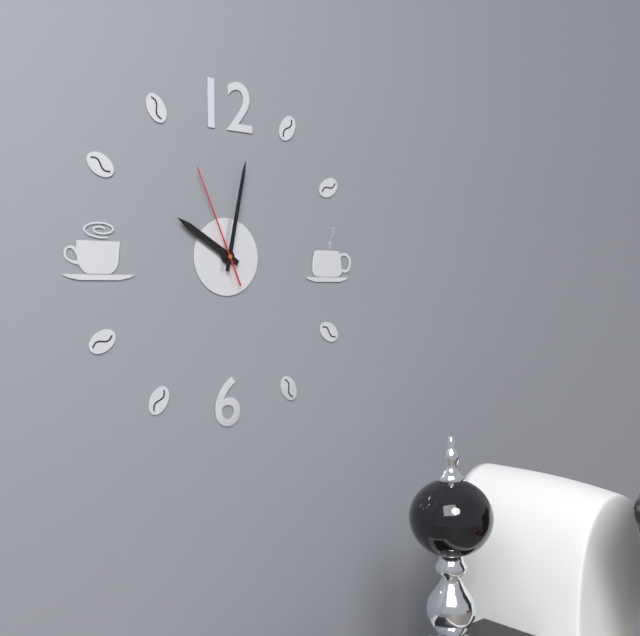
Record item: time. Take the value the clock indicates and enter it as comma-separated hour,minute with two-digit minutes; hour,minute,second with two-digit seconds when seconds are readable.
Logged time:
10,02,56
